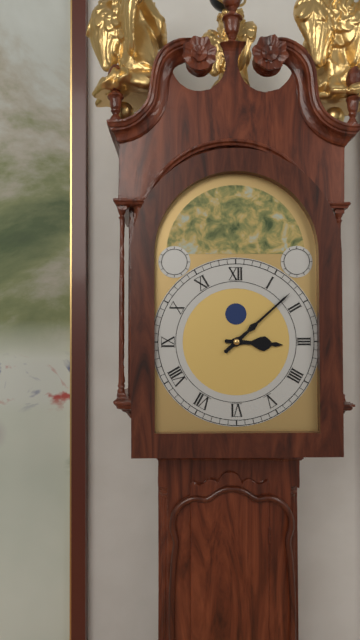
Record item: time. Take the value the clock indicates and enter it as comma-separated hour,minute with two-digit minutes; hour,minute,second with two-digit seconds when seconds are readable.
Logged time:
3,08
